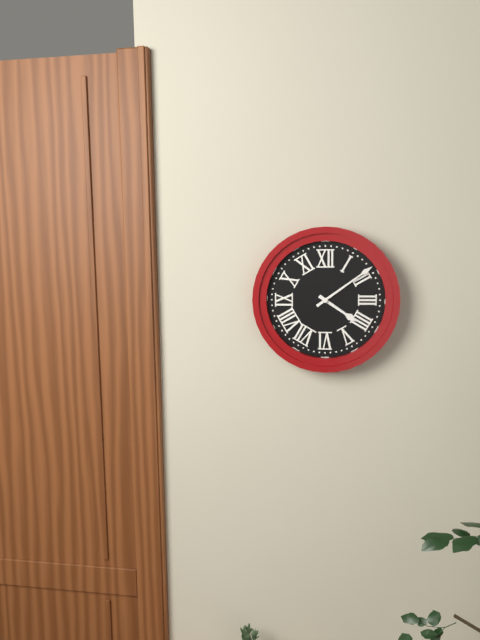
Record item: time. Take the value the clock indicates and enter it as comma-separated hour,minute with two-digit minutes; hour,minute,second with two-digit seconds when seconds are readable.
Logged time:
4,09
